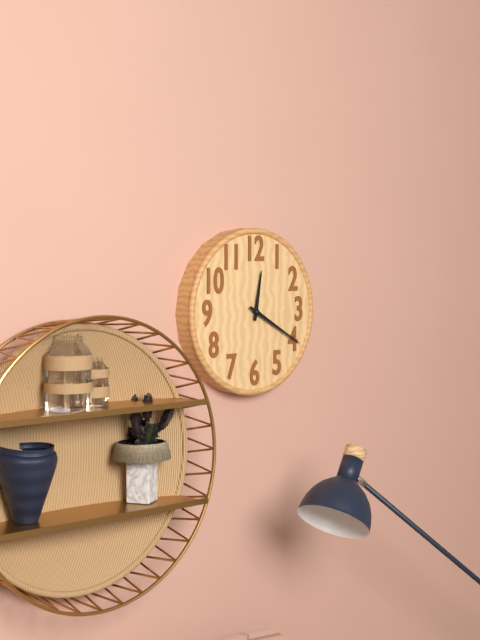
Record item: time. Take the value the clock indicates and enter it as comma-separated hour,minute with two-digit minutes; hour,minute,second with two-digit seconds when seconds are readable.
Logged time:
12,20
